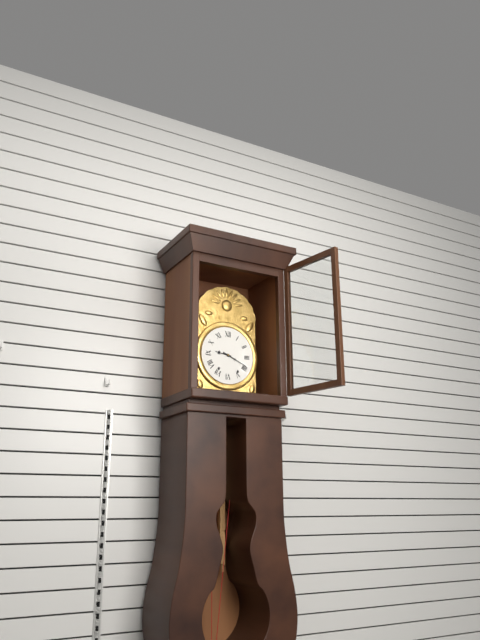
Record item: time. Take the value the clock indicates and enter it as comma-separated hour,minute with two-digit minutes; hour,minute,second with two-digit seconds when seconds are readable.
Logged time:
9,19
